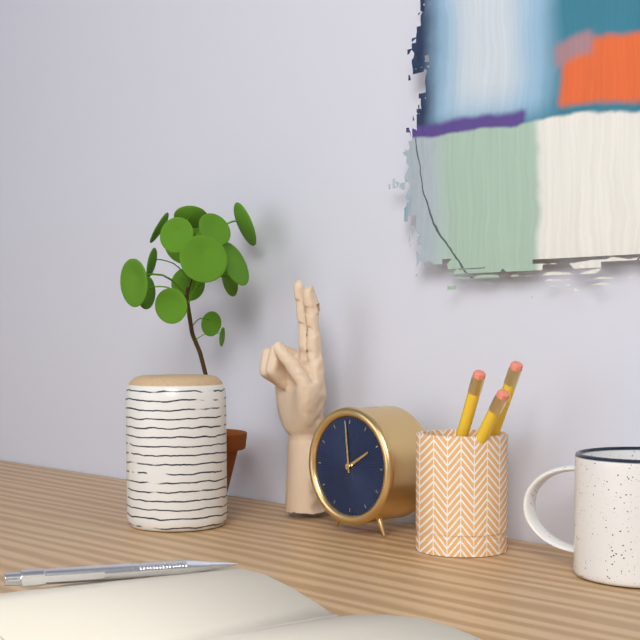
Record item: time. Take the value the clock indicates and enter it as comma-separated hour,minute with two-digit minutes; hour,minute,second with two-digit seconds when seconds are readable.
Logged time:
1,59
